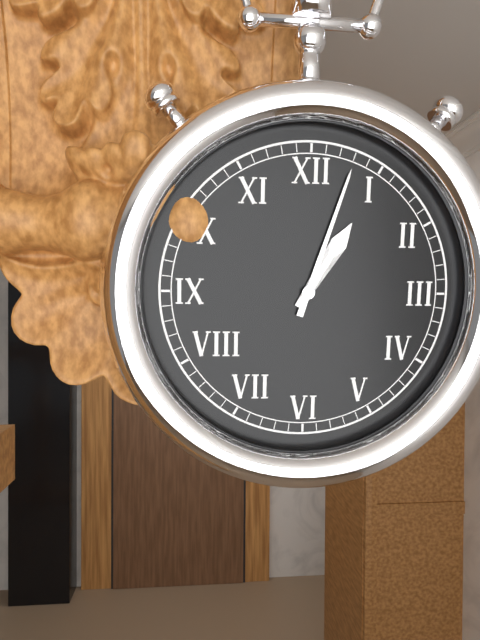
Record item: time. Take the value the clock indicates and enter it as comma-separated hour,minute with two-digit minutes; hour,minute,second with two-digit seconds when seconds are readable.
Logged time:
1,03
